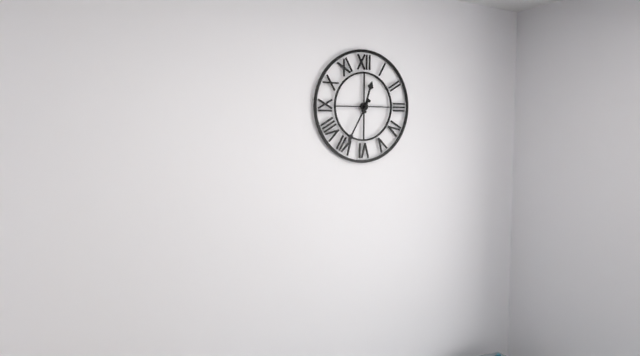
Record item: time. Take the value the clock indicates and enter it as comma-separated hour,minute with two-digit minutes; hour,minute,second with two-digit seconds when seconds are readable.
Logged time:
12,35
